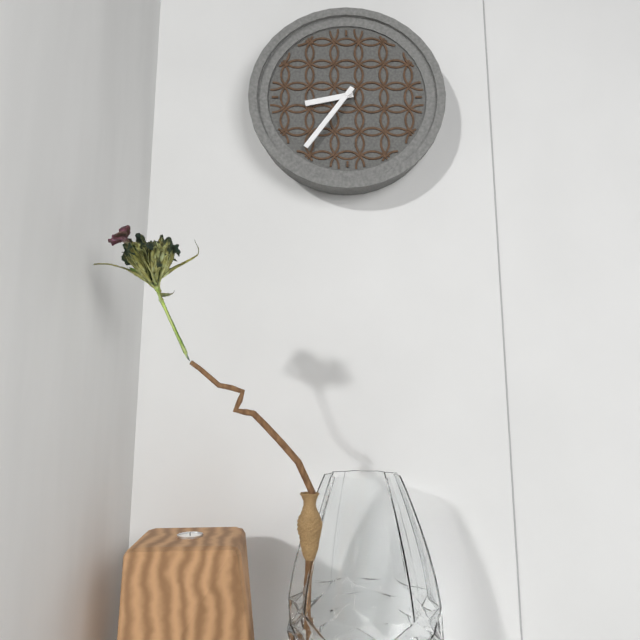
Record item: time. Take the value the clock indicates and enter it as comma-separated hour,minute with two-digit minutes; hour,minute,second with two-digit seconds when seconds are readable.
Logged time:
8,36
